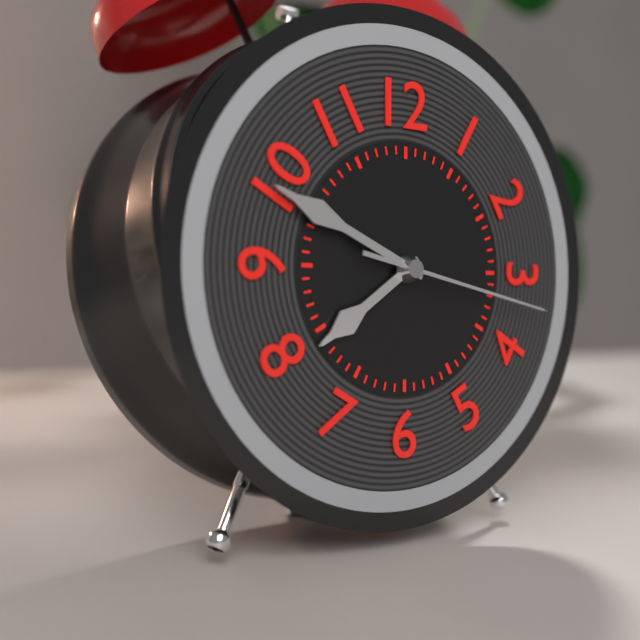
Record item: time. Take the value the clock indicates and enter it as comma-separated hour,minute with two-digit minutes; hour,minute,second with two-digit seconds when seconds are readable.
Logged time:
7,49,17
